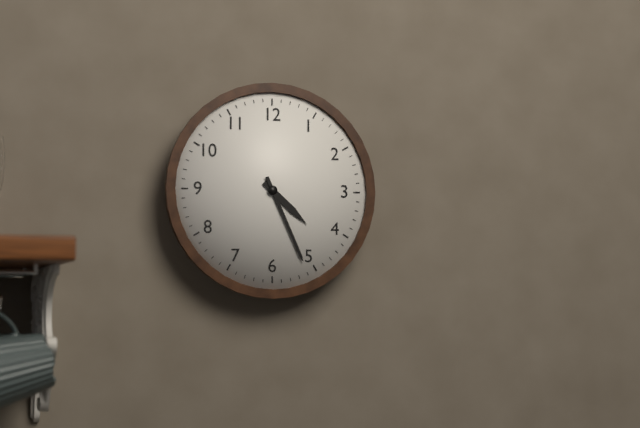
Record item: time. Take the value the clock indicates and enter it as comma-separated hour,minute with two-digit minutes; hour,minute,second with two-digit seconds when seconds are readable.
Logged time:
4,26
